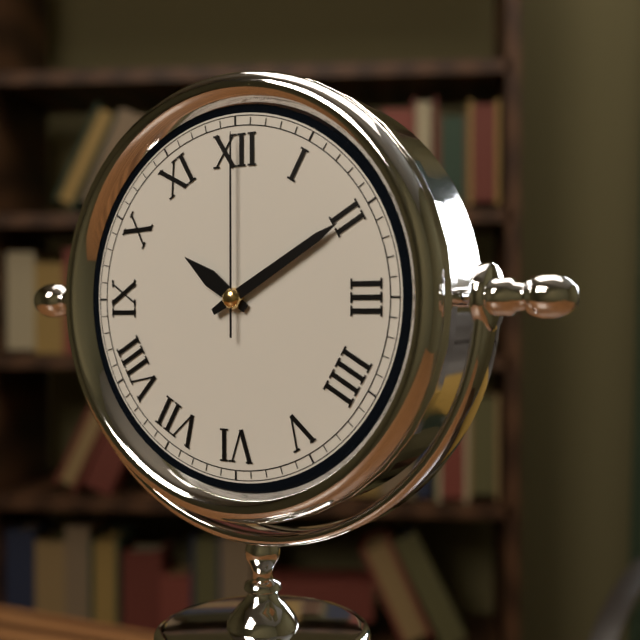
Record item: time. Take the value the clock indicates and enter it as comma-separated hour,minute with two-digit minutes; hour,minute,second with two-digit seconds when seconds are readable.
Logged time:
10,10,00
